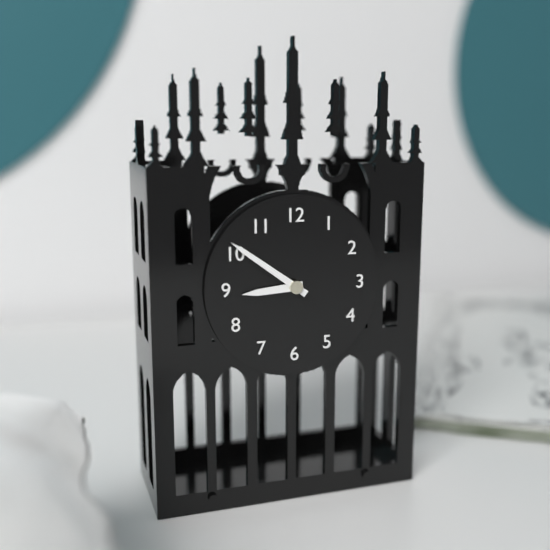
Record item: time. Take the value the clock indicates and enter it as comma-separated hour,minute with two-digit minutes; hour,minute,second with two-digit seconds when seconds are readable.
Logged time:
8,51
